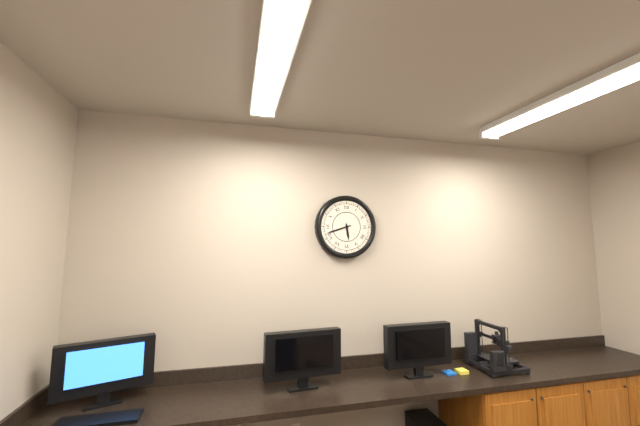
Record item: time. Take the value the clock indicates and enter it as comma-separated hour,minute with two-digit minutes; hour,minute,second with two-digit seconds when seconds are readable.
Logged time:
5,42
